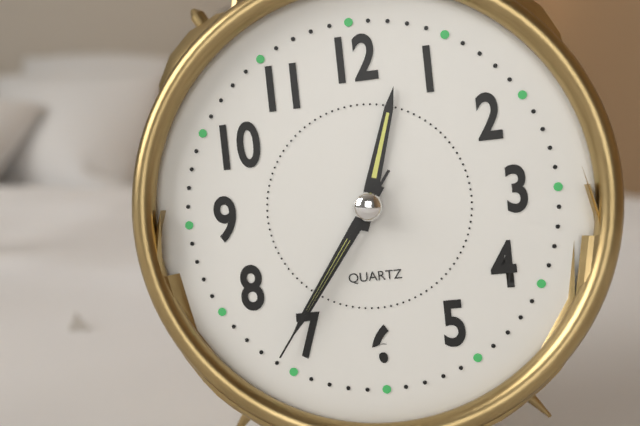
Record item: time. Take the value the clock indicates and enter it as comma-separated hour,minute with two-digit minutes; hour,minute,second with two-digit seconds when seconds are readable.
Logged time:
12,36,36
